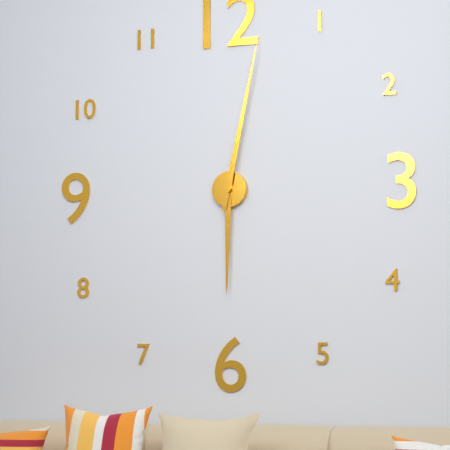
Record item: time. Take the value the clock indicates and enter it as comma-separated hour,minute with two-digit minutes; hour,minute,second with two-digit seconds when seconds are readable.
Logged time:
6,02
